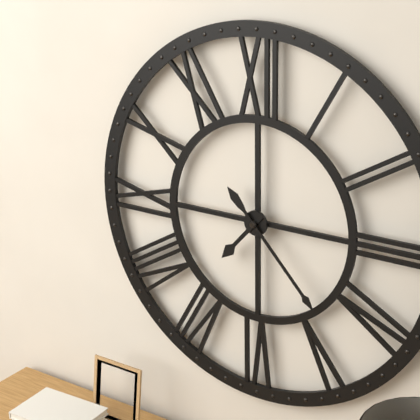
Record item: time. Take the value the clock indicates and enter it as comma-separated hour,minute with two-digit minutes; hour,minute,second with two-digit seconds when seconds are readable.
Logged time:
7,23
